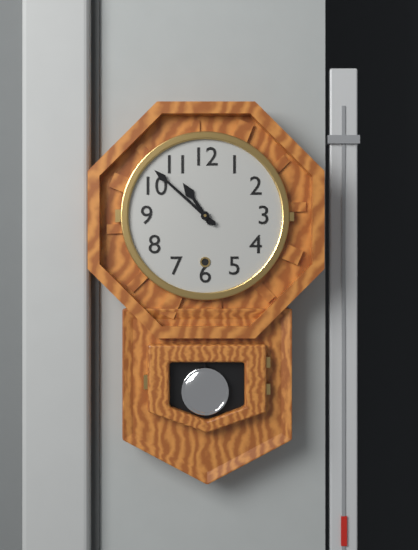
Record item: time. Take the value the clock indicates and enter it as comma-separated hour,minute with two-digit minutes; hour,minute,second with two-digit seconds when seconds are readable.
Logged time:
10,52
